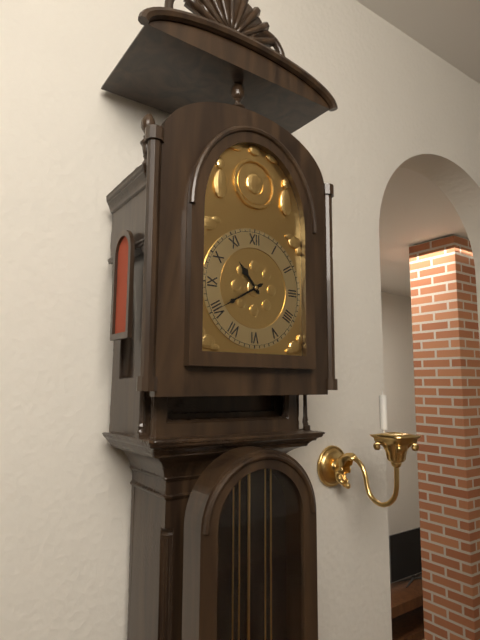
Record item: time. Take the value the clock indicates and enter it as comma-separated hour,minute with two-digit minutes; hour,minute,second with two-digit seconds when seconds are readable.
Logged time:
10,40
